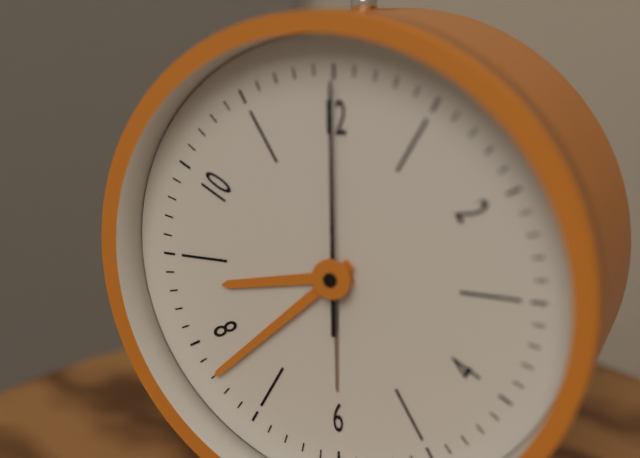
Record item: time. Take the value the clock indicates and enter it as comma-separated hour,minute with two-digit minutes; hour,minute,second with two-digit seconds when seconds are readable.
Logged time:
8,38,00
